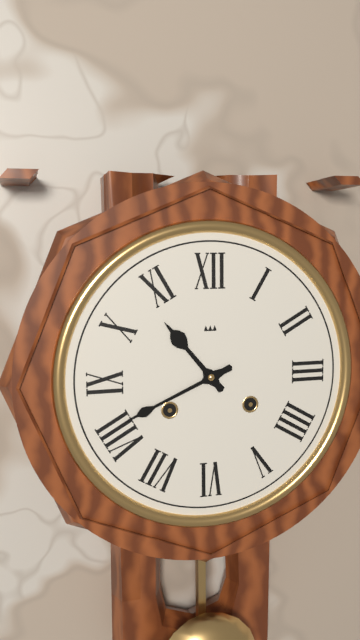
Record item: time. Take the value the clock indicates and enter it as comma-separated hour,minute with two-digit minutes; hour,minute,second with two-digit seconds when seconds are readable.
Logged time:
10,41
